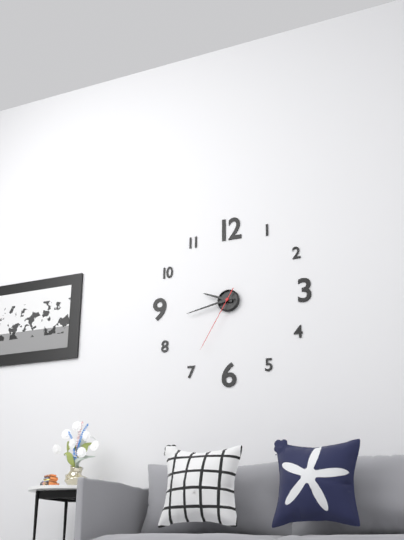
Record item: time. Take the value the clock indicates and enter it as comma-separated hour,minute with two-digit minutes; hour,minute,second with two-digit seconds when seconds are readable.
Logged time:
9,43,35
